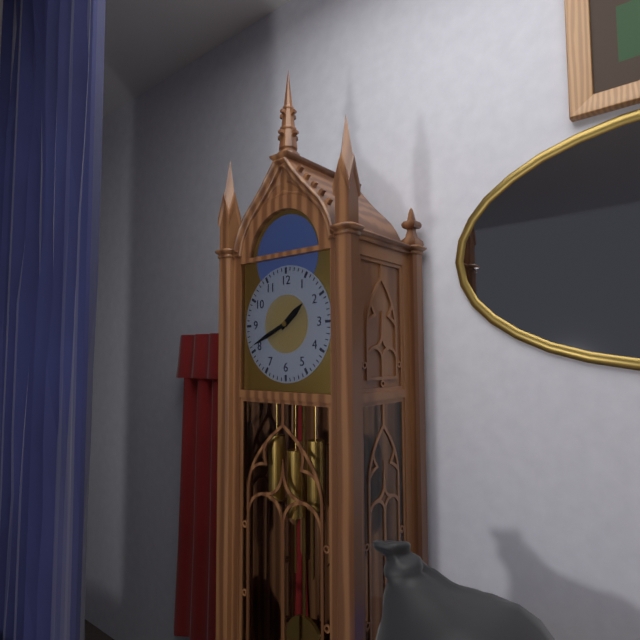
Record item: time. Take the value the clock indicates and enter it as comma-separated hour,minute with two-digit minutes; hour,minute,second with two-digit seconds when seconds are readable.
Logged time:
1,41
